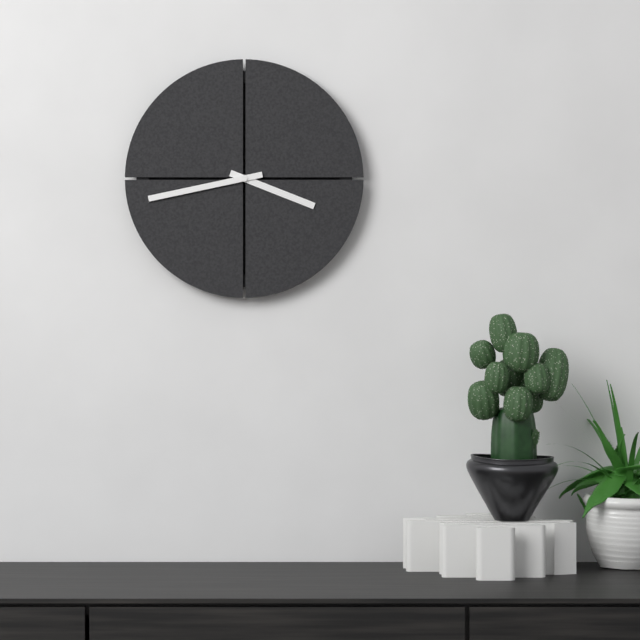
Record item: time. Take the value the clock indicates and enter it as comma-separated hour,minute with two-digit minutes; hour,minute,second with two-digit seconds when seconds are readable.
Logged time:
3,43
